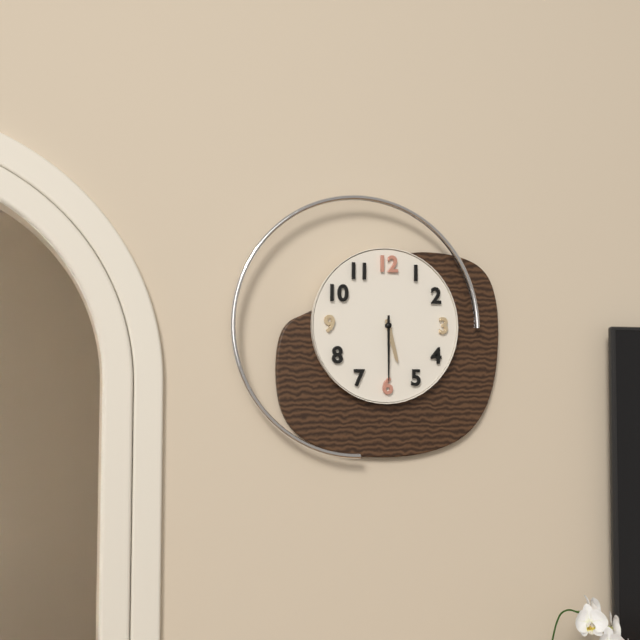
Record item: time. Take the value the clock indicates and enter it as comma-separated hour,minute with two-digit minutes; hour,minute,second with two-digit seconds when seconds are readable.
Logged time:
5,30
